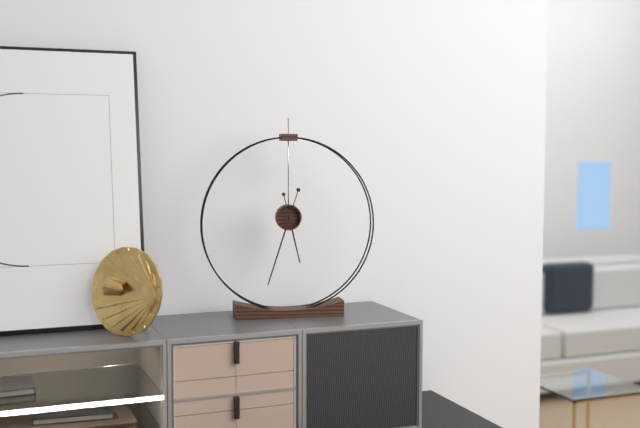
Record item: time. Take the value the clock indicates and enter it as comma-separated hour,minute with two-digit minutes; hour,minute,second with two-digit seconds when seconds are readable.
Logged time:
5,33
